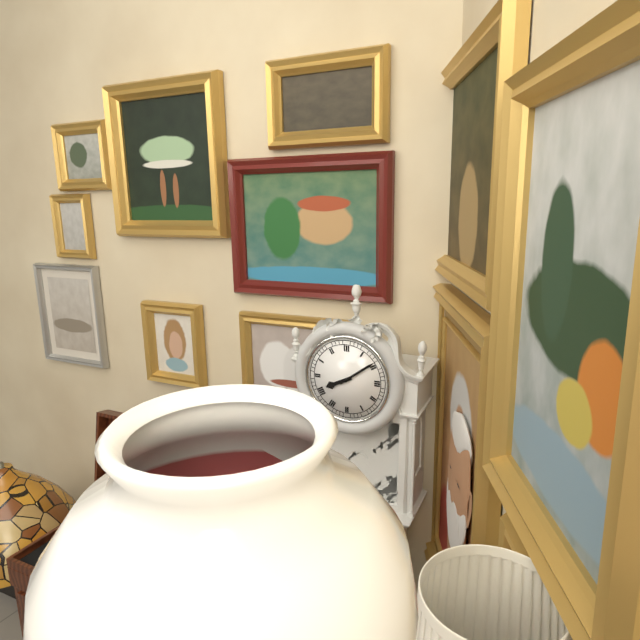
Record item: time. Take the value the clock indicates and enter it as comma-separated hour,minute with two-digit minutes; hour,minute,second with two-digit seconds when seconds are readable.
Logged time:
8,09
